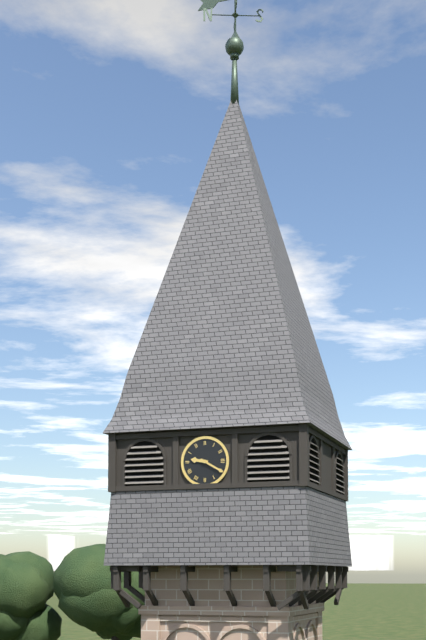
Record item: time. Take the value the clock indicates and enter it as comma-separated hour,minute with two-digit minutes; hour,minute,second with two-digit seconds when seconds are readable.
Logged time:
9,20
